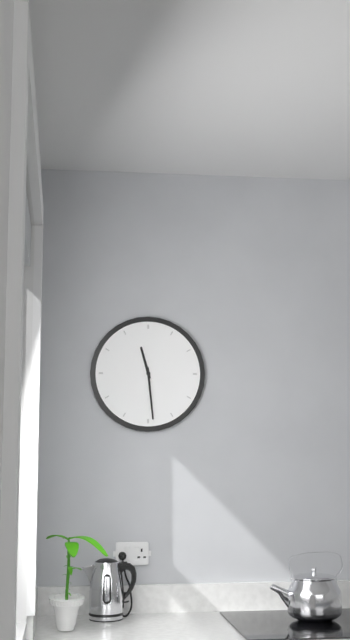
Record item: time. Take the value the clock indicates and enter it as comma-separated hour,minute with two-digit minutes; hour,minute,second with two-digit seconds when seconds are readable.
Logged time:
11,29
